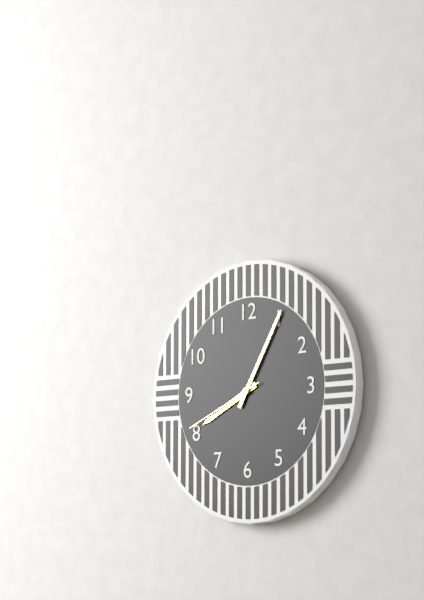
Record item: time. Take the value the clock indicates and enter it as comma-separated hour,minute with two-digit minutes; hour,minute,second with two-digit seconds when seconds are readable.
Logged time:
8,05,41
